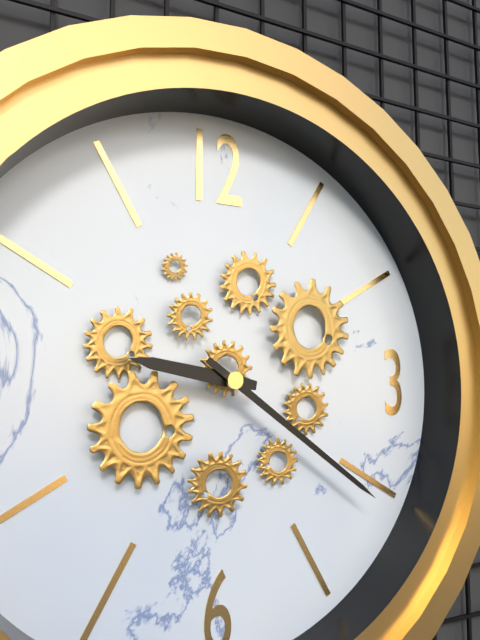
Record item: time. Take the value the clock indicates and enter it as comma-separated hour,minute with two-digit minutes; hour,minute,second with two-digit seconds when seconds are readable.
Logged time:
9,21
